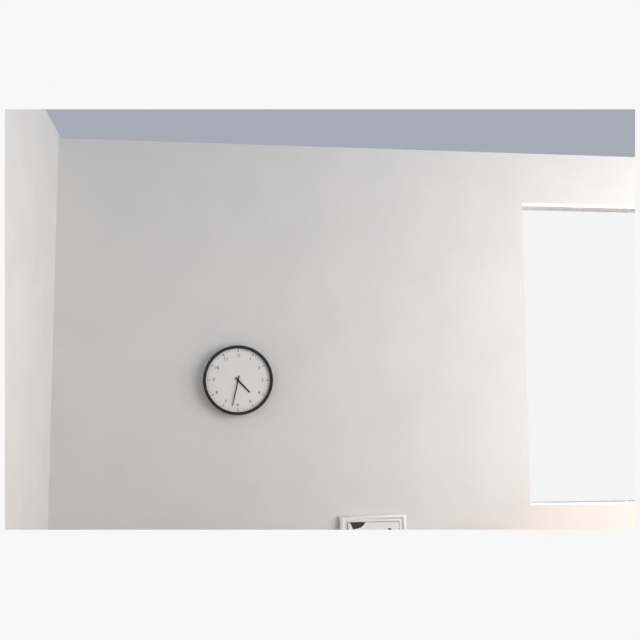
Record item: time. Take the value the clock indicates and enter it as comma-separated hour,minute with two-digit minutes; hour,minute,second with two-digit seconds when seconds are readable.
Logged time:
4,32
